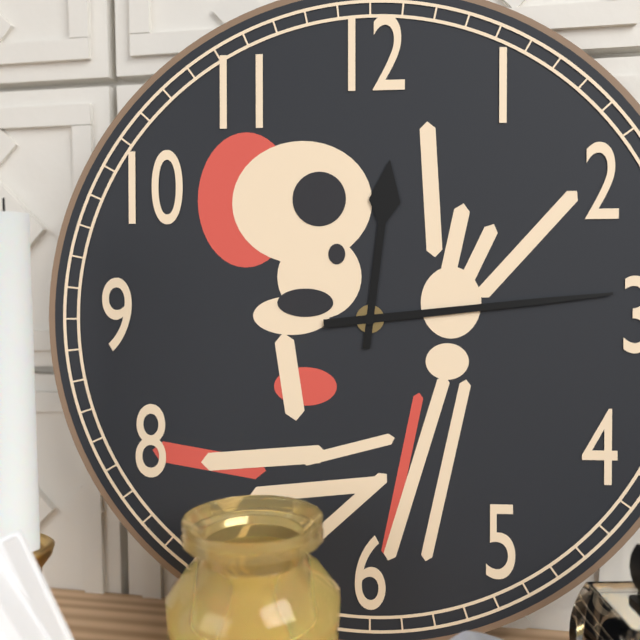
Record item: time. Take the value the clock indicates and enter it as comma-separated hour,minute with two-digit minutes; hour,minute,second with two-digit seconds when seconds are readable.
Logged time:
12,14
